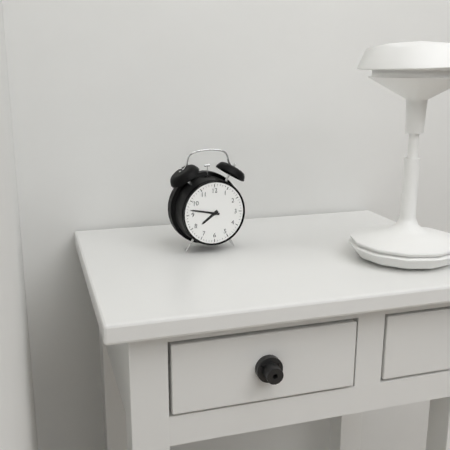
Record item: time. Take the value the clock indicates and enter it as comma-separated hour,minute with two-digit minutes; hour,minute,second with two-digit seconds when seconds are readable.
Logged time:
7,47
